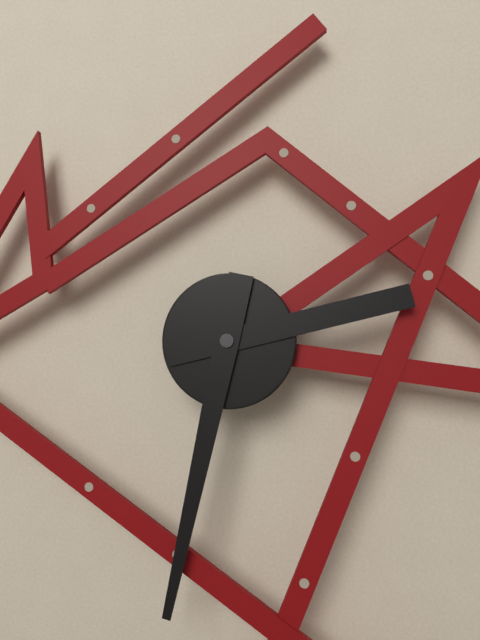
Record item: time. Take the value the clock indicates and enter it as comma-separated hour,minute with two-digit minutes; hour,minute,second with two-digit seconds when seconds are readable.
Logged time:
2,32
